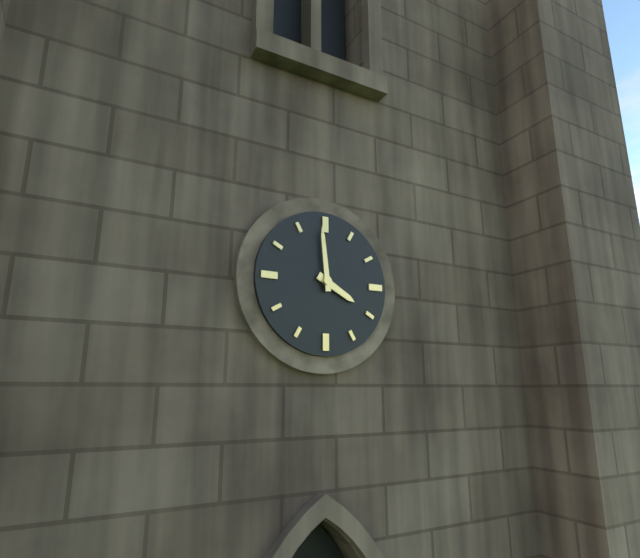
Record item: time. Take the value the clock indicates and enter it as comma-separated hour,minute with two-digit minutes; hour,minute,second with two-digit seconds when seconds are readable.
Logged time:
3,59
